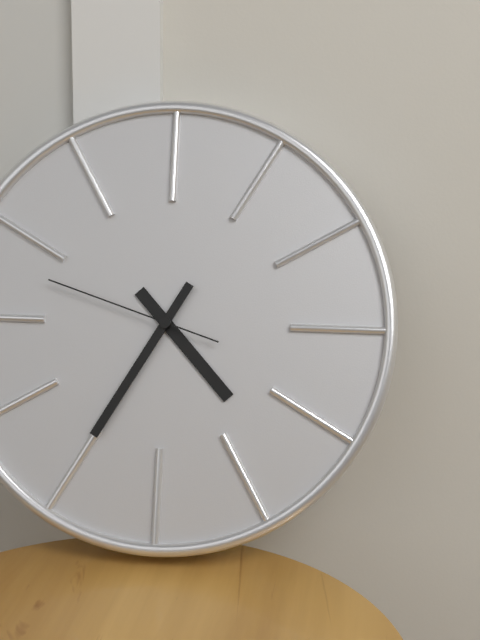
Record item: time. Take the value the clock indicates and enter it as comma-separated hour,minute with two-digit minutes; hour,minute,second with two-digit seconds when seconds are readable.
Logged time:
4,35,48
